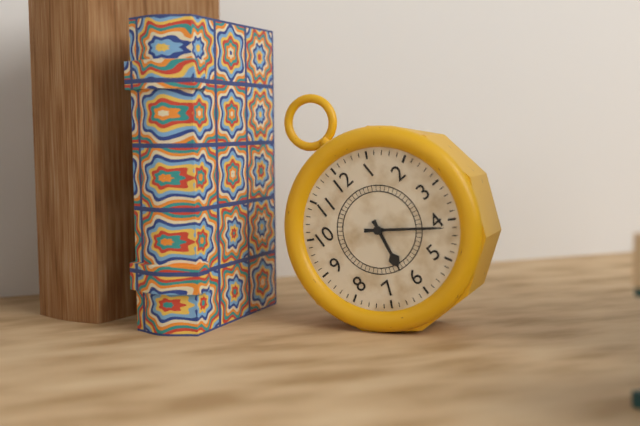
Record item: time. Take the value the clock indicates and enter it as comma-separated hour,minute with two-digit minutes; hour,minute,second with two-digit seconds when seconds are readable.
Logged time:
6,21
